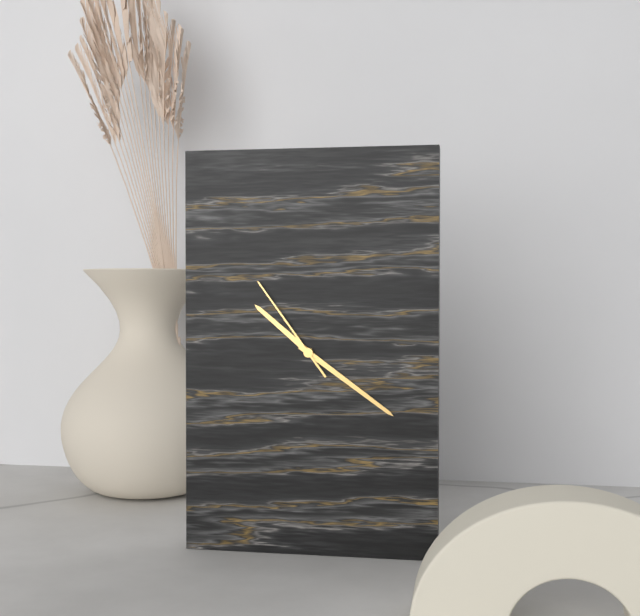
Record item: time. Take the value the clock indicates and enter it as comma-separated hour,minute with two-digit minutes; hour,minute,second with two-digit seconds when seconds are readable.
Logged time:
10,21,54
